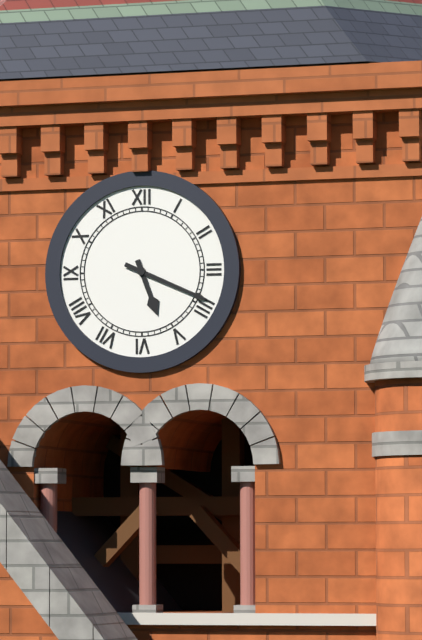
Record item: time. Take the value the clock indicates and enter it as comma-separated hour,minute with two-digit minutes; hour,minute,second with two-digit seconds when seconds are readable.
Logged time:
5,19
